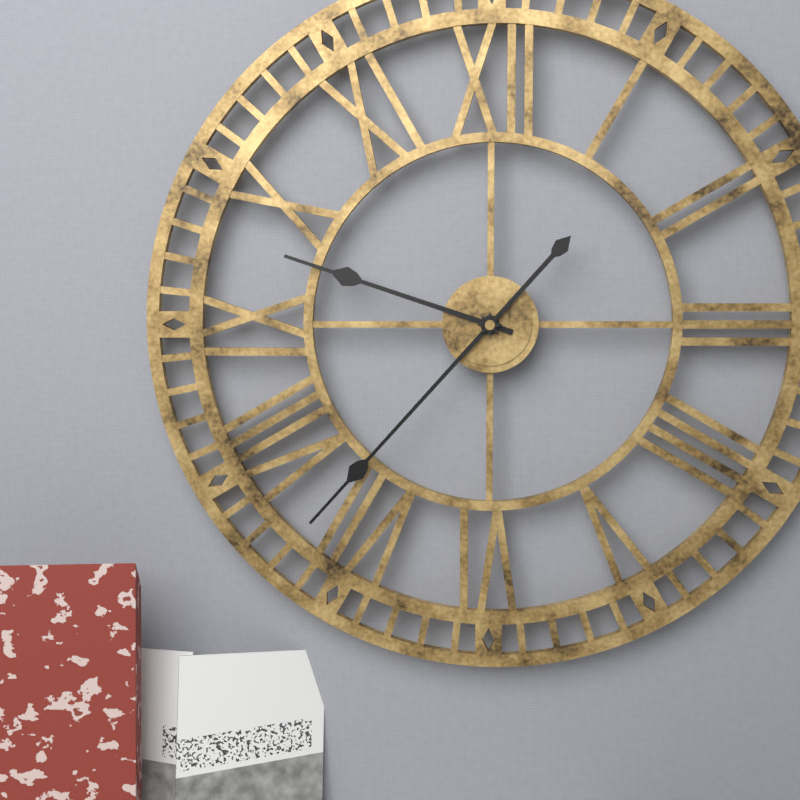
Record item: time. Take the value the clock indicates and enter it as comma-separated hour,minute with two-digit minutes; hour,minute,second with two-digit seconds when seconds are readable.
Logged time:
9,37
